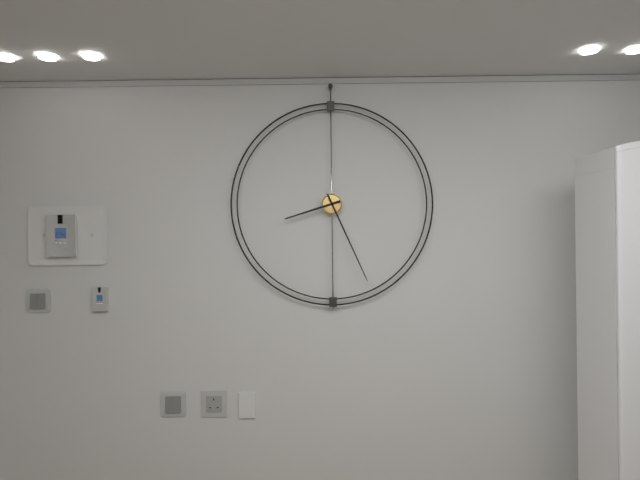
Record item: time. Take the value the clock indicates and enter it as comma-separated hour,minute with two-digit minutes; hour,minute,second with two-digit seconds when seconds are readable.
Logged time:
8,26
